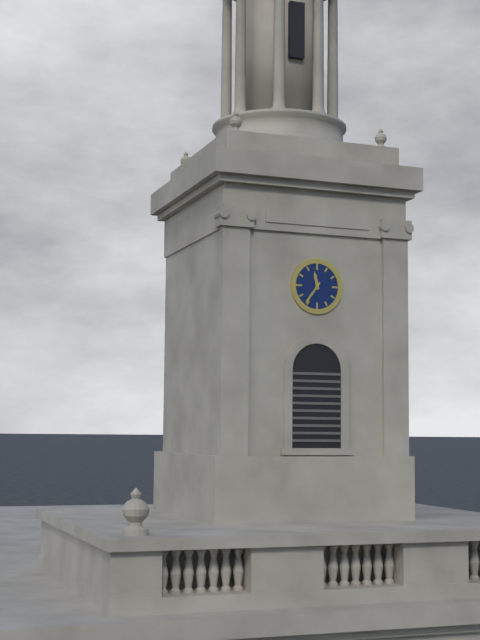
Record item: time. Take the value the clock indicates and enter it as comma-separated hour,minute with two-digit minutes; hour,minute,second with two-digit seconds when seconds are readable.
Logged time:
11,36
